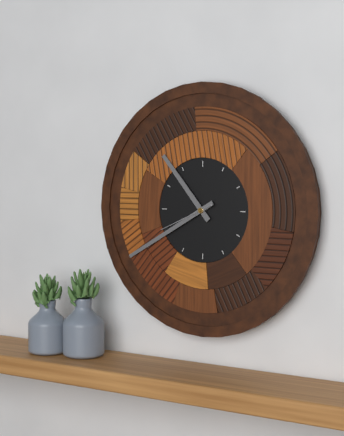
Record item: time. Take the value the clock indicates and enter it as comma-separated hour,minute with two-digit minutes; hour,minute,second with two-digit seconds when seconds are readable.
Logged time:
10,40,41
